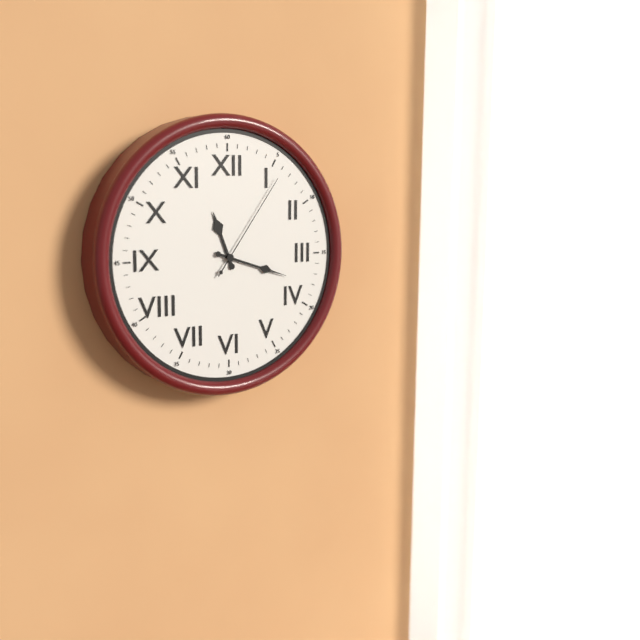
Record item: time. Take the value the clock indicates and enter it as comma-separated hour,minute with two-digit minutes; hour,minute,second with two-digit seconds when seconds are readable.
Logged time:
11,18,06
